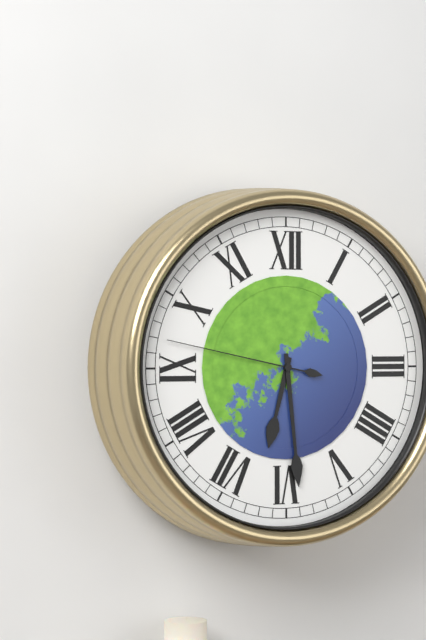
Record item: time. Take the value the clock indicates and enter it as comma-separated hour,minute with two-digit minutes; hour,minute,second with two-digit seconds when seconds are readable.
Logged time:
6,29,47
